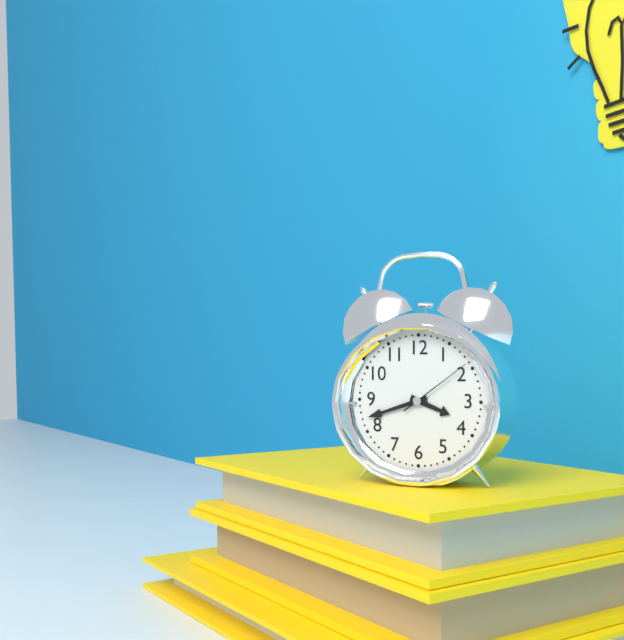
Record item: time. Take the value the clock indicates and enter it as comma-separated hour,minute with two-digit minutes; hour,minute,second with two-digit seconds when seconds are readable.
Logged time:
3,42,09
